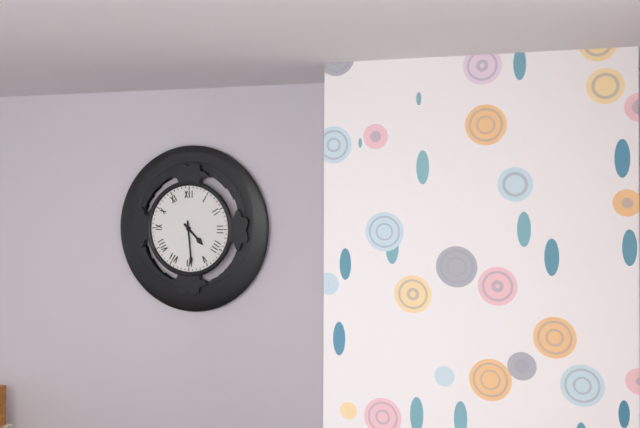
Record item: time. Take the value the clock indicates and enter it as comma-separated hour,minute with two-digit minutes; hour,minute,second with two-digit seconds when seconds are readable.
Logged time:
4,29
